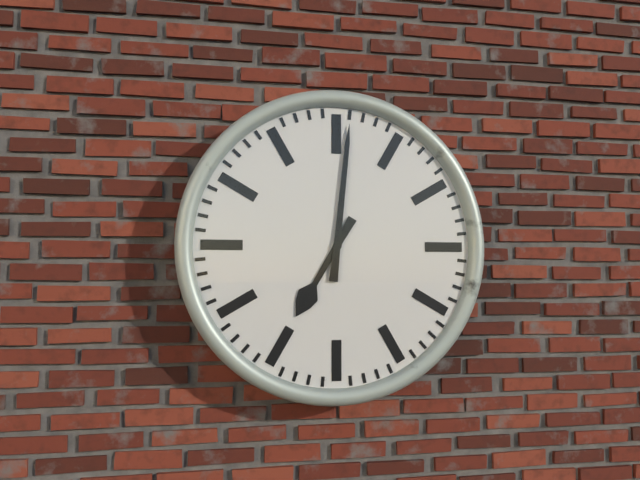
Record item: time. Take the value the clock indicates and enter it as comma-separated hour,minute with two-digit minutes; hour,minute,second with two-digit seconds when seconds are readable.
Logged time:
7,01
